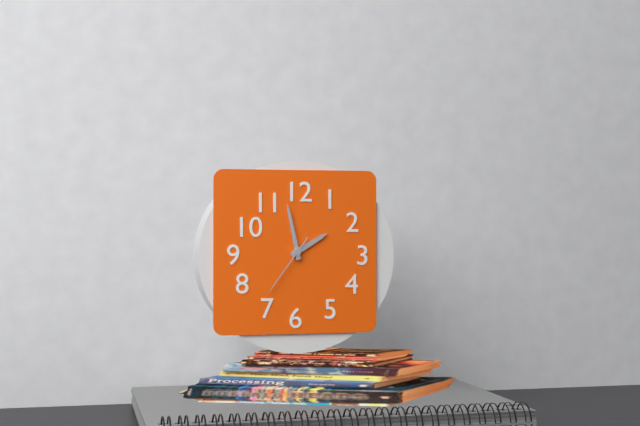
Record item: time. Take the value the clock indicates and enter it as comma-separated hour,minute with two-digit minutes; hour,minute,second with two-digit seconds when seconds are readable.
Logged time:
1,58,36
